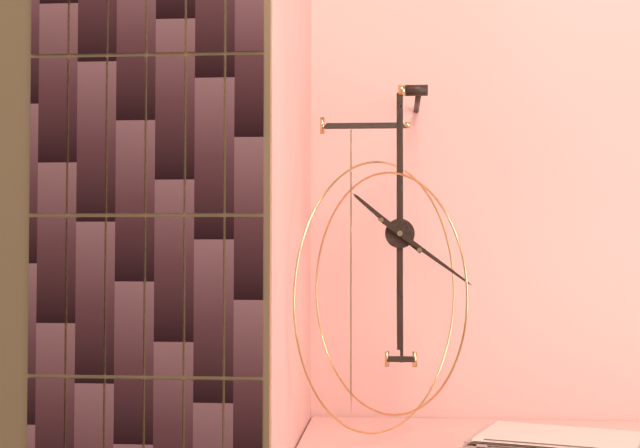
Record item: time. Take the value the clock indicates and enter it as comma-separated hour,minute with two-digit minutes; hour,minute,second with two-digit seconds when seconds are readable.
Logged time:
10,21
